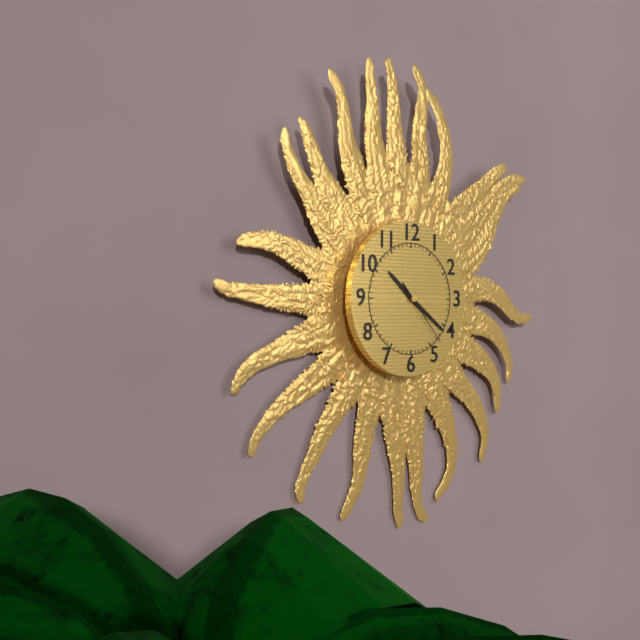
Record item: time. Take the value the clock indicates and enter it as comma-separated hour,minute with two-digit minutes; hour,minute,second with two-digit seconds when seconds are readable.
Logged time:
10,21,23
